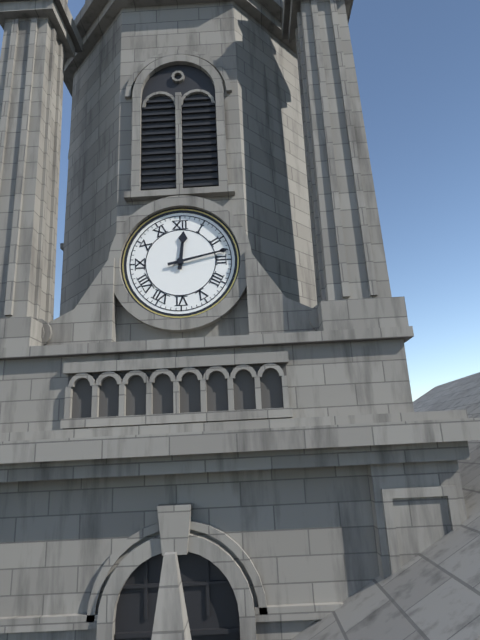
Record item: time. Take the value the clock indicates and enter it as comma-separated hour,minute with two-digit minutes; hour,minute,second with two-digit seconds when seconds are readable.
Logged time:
12,13
